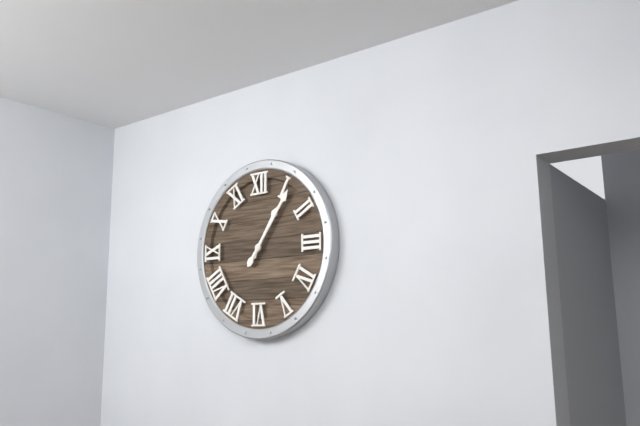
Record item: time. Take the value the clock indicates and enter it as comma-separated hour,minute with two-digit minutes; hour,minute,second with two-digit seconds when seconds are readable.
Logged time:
1,06
